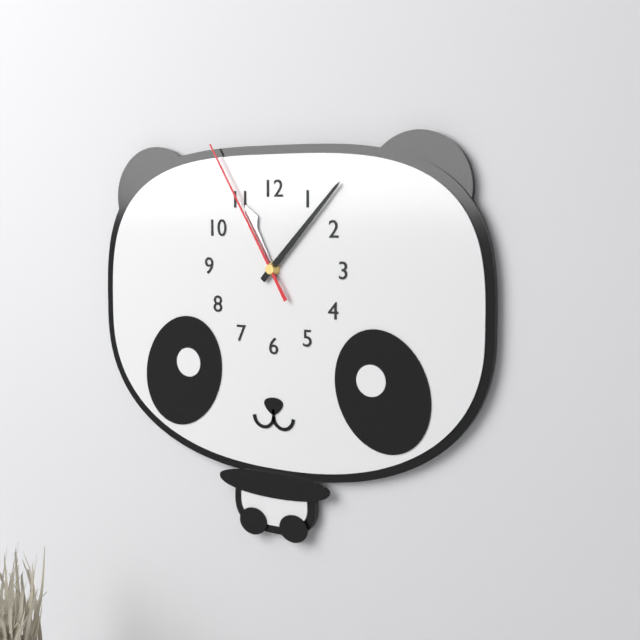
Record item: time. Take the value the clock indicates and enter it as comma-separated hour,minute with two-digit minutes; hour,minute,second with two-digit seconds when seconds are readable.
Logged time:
11,07,55
